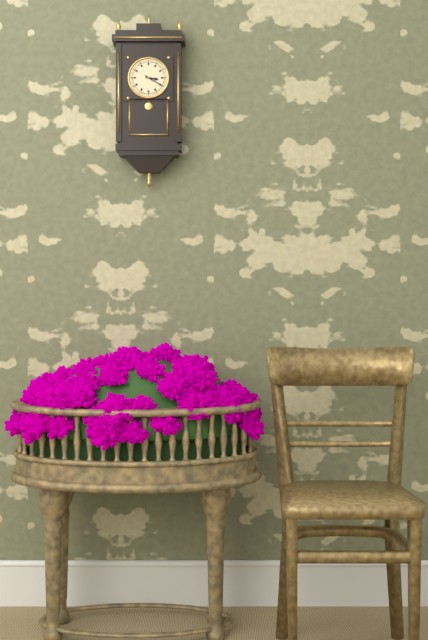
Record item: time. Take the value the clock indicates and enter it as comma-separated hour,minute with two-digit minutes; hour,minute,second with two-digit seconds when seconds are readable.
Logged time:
3,20
